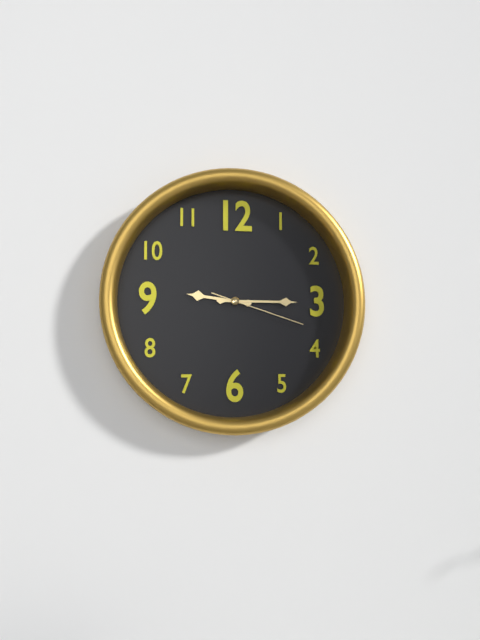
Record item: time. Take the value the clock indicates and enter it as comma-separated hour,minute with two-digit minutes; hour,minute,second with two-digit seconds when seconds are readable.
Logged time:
9,15,18
